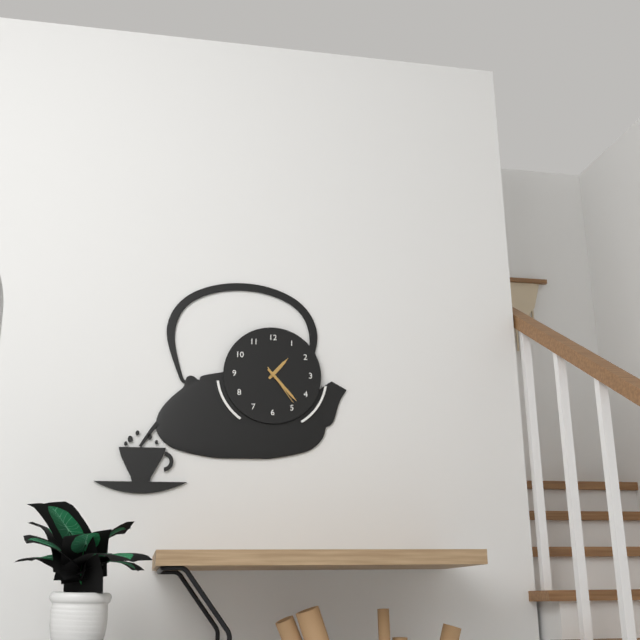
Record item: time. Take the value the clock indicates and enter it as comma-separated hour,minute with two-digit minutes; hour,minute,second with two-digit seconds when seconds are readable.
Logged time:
1,23
